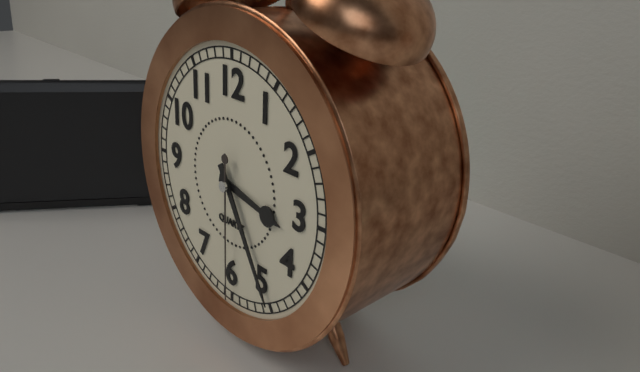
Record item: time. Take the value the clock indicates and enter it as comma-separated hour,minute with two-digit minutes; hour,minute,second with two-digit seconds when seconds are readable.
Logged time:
3,25,30
